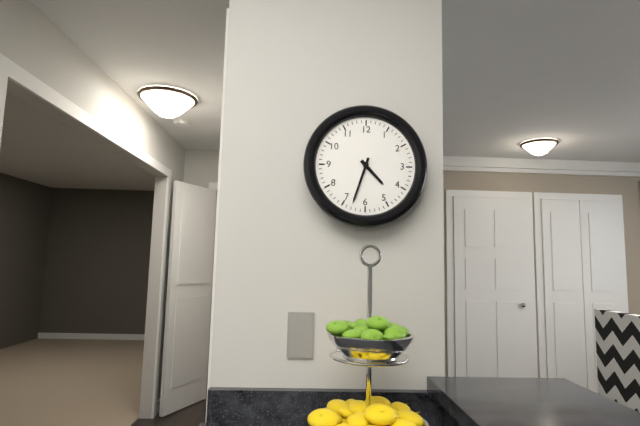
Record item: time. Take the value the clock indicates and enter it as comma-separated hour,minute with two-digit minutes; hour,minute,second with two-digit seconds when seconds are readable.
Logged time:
4,33
